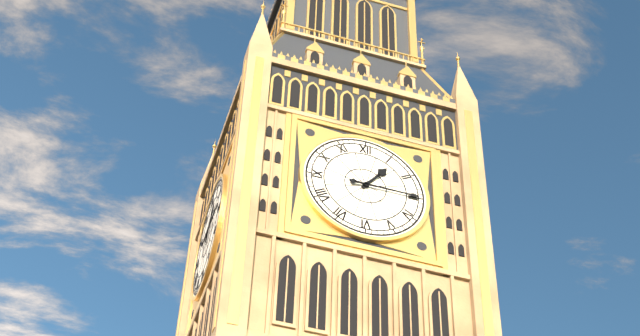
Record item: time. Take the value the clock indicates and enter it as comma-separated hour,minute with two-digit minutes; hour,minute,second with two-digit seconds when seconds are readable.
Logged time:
1,15
